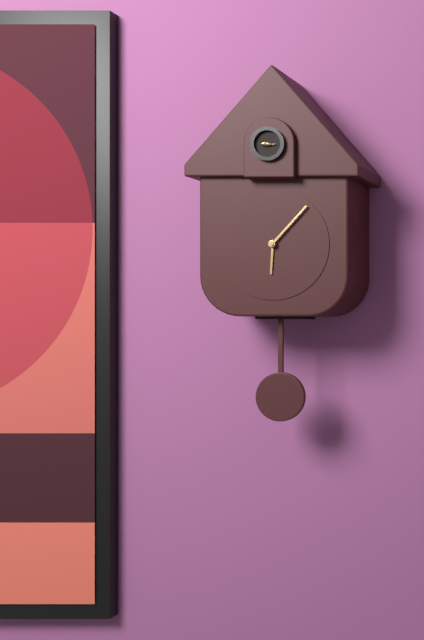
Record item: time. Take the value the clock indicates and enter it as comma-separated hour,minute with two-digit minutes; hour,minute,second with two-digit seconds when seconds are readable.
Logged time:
6,07
